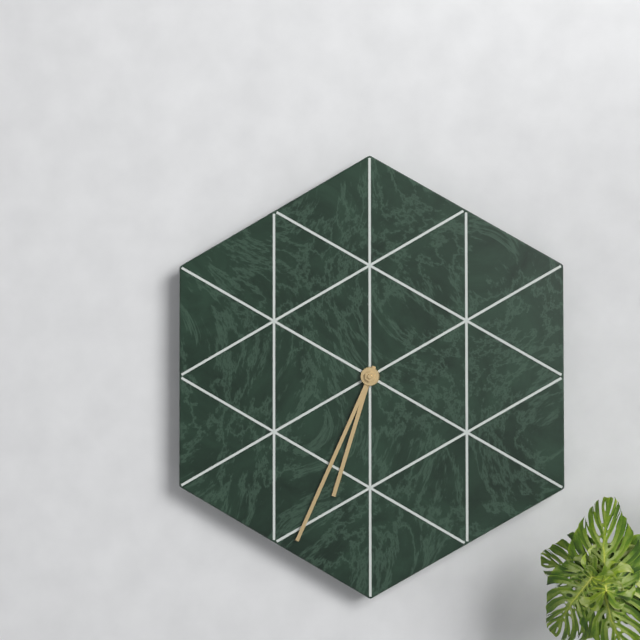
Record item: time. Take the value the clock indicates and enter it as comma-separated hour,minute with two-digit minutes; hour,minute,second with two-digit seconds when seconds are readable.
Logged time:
6,34
